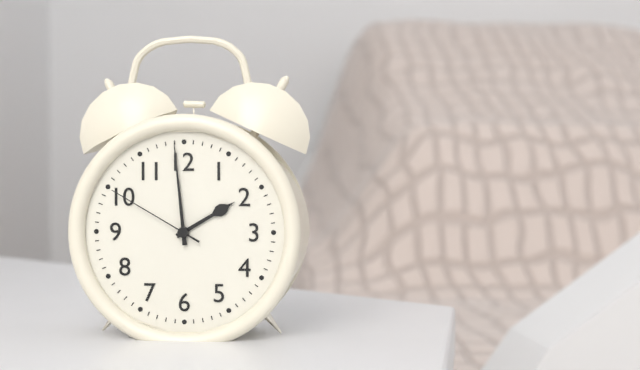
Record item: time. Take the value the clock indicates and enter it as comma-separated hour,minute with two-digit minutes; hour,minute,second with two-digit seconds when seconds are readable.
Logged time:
1,59,50
